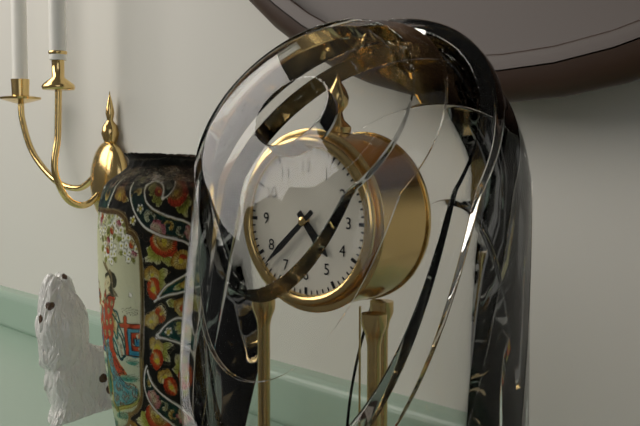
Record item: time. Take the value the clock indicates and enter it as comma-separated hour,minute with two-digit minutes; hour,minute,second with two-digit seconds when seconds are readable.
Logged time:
4,38
